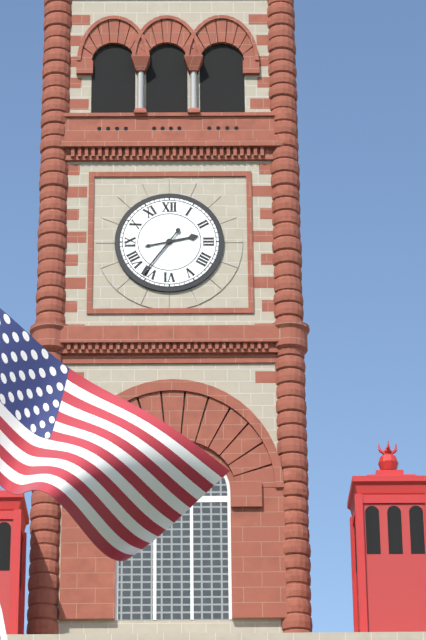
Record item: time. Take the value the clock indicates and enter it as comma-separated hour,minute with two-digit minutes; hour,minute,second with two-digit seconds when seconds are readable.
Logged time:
2,36
